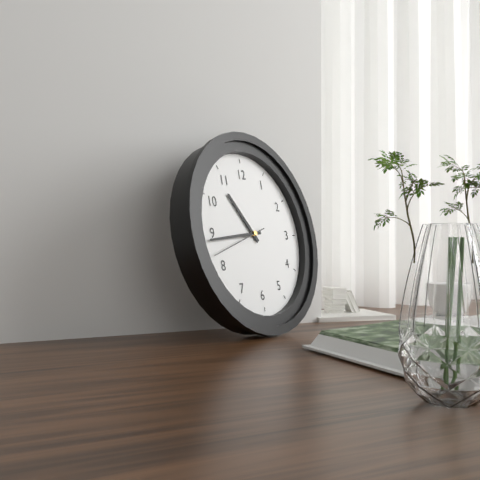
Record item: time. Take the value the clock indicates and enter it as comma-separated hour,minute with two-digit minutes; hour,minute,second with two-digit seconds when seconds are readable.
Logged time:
10,44,42
